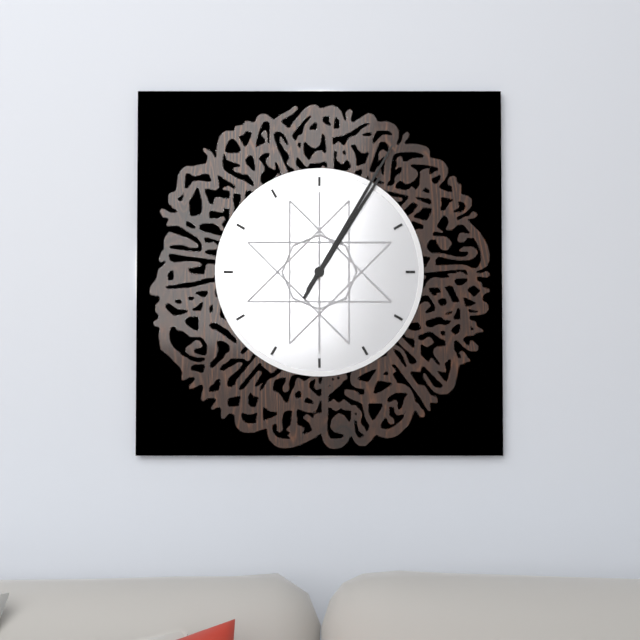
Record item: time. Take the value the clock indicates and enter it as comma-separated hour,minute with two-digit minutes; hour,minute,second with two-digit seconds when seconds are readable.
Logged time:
1,05
